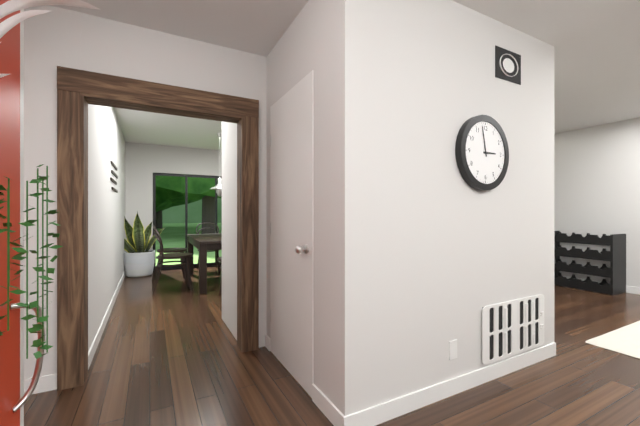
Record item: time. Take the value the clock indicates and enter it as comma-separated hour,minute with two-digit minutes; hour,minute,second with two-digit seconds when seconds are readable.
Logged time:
2,58
